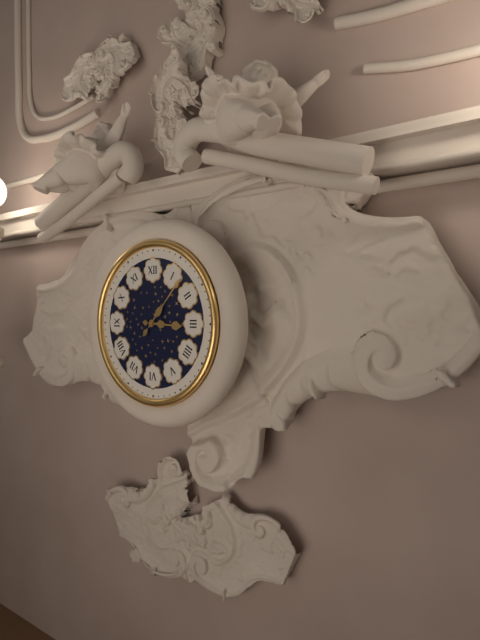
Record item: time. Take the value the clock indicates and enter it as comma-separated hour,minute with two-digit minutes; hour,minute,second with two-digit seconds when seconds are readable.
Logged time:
3,07
